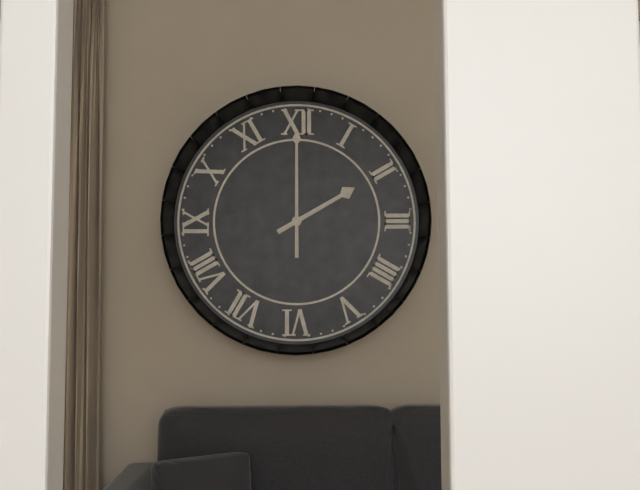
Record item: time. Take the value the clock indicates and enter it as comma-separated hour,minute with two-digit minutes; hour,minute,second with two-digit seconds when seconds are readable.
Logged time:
2,00
